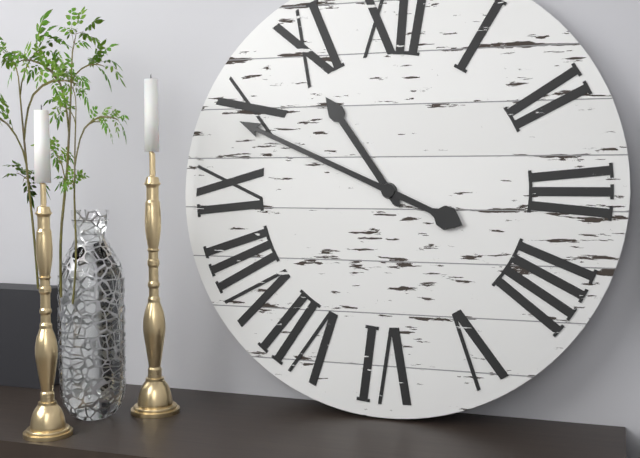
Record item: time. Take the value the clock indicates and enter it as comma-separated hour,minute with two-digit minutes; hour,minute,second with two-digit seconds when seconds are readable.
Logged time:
10,49
